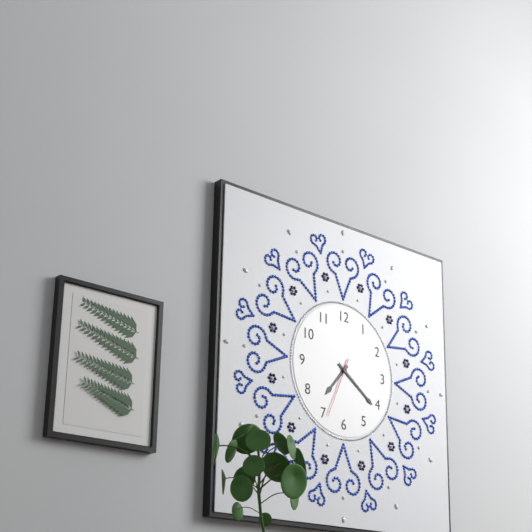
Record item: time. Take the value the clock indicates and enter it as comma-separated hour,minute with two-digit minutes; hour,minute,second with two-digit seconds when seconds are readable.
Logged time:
7,21,34
